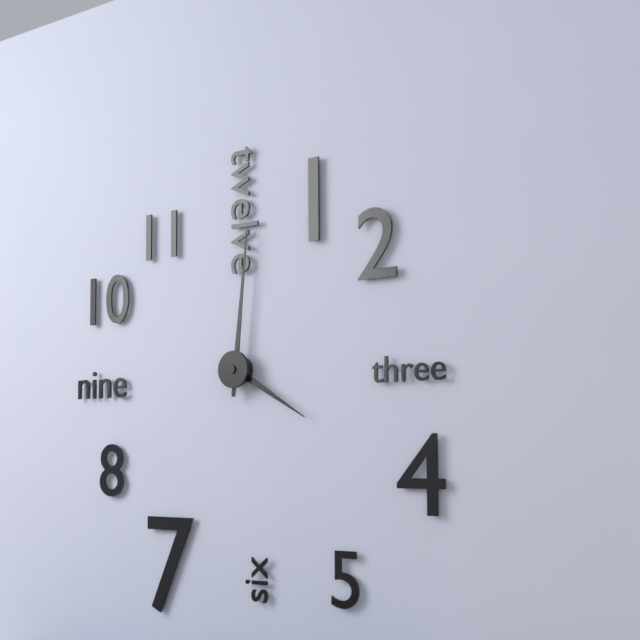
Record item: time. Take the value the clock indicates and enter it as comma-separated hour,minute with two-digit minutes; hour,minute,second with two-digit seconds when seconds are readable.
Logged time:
4,01
